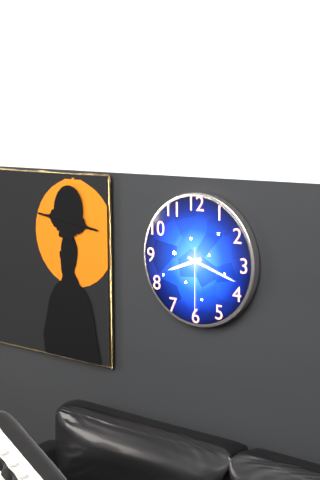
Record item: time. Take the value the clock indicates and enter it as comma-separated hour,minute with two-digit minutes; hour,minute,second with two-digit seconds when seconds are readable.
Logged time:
8,18,30
